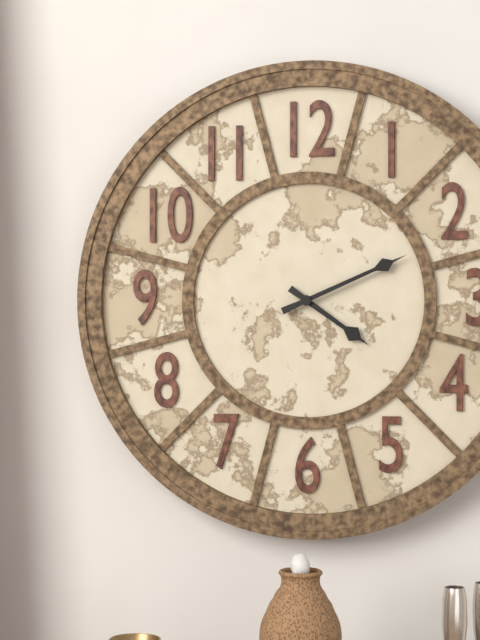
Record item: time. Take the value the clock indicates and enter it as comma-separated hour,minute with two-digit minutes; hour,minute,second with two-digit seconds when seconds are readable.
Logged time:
4,11
